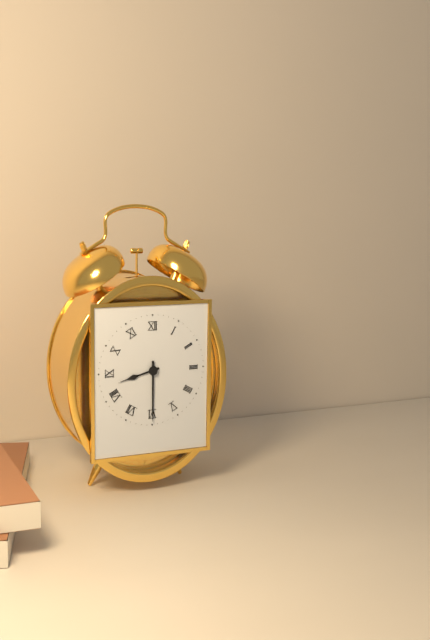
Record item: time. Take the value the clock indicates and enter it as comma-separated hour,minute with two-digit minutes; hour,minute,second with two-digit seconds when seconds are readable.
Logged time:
8,30
